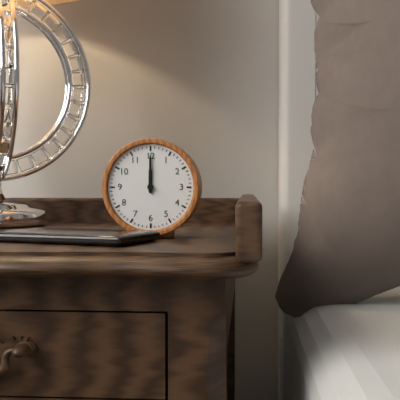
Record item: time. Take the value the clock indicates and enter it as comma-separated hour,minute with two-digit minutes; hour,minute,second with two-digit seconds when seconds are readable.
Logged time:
12,00
